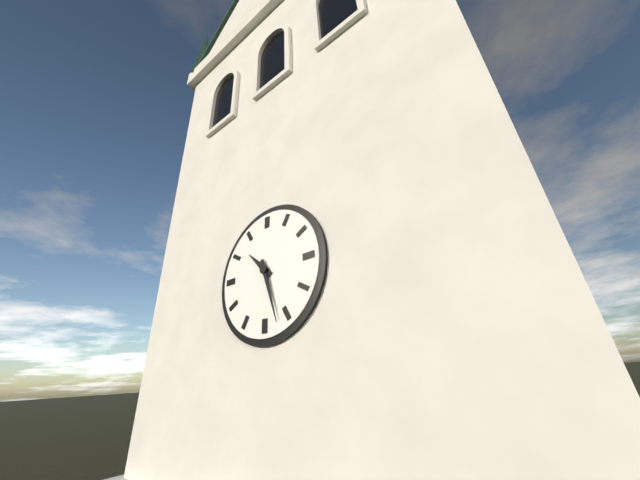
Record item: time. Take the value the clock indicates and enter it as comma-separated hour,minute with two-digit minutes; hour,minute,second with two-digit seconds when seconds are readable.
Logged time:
10,27
